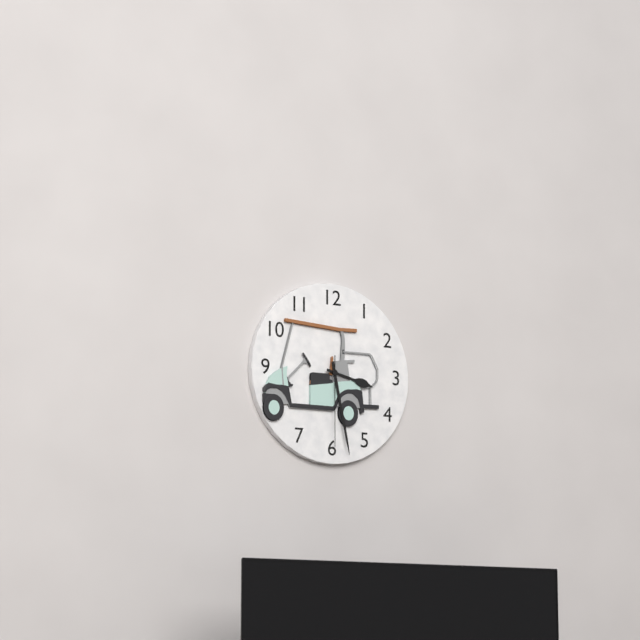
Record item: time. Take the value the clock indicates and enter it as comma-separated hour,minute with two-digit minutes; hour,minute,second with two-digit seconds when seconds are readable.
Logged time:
3,28,30
